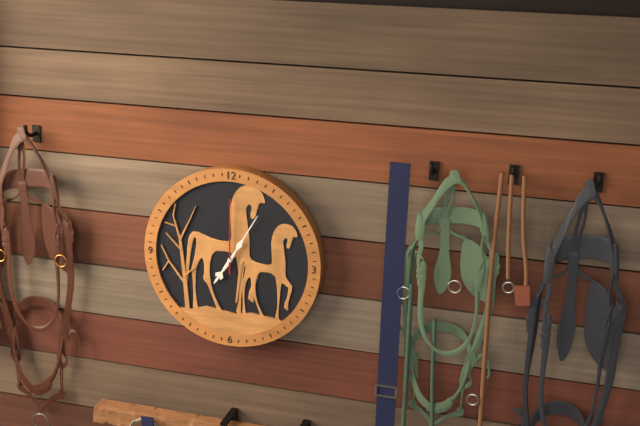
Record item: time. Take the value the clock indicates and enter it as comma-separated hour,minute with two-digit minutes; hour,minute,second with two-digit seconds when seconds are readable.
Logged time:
7,05,00
